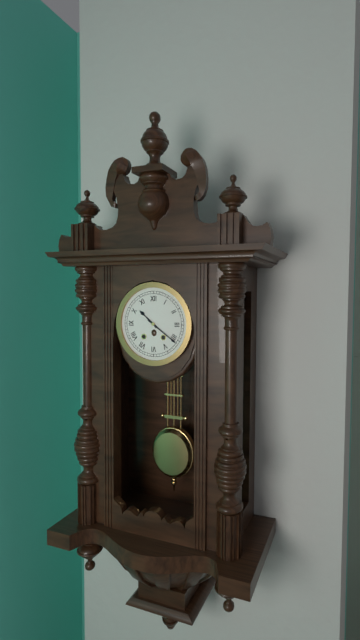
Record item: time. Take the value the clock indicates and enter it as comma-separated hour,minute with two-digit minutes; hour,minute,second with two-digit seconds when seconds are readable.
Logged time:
10,21
